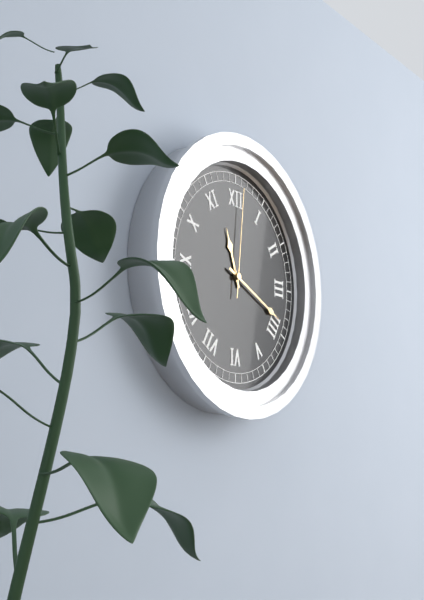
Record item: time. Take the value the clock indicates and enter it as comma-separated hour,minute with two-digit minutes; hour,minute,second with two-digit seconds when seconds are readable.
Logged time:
11,19,01
